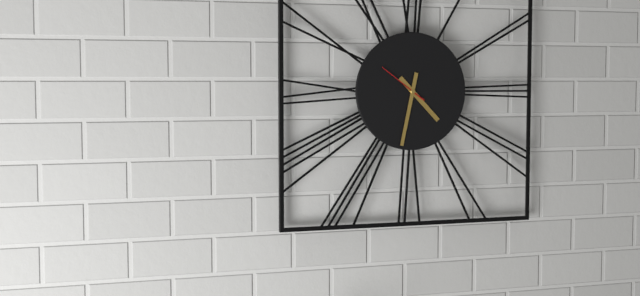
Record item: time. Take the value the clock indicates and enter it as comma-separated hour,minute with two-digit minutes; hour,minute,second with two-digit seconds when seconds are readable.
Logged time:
4,32
